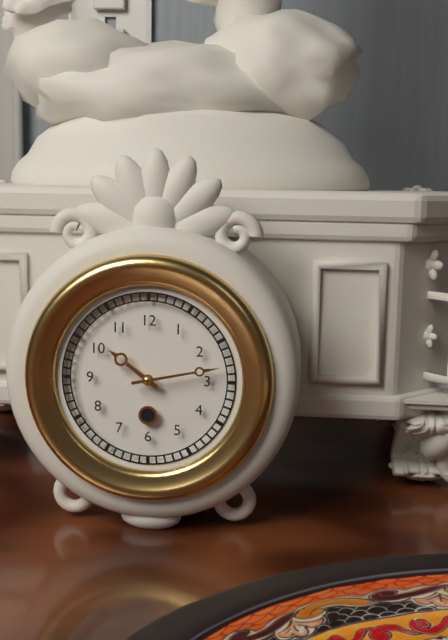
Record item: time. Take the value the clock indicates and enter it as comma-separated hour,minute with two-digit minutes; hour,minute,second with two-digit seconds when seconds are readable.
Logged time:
10,13
